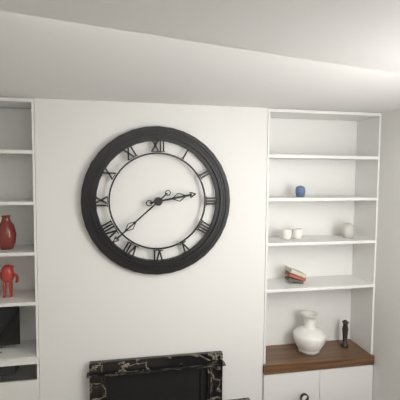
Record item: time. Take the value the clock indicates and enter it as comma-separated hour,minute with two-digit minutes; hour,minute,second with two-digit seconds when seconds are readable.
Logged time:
2,38
